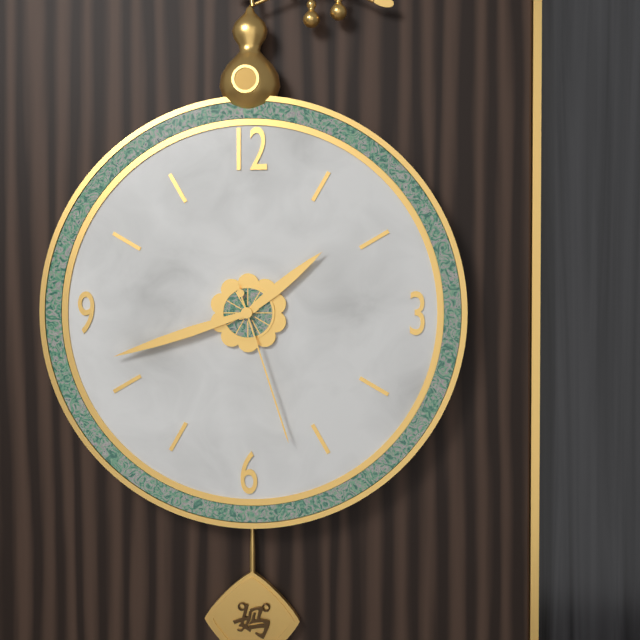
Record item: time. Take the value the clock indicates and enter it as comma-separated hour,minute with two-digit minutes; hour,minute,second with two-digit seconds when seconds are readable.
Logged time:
1,42,27
